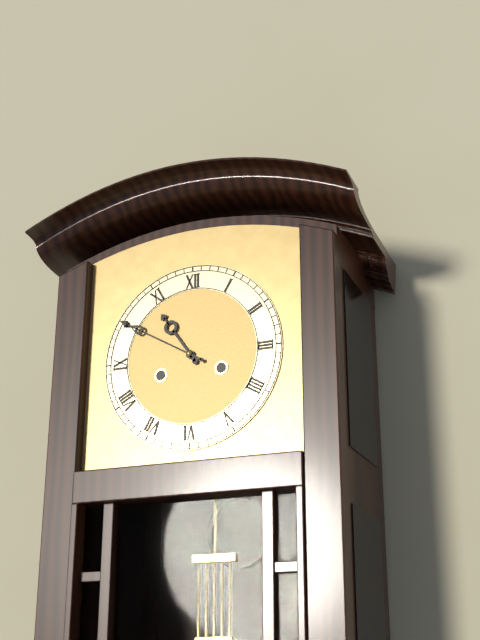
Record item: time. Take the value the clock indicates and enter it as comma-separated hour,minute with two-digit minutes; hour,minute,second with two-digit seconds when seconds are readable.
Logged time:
10,50
